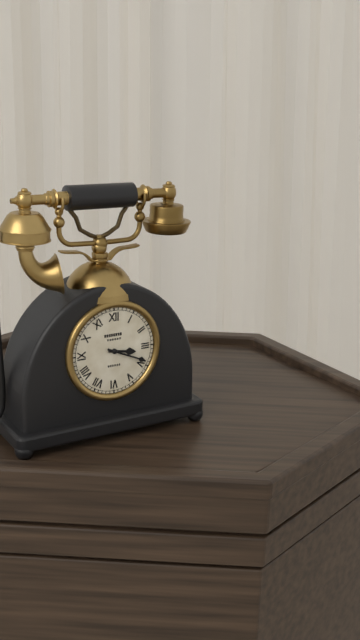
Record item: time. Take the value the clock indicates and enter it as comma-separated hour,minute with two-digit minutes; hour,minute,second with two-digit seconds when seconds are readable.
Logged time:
3,19
